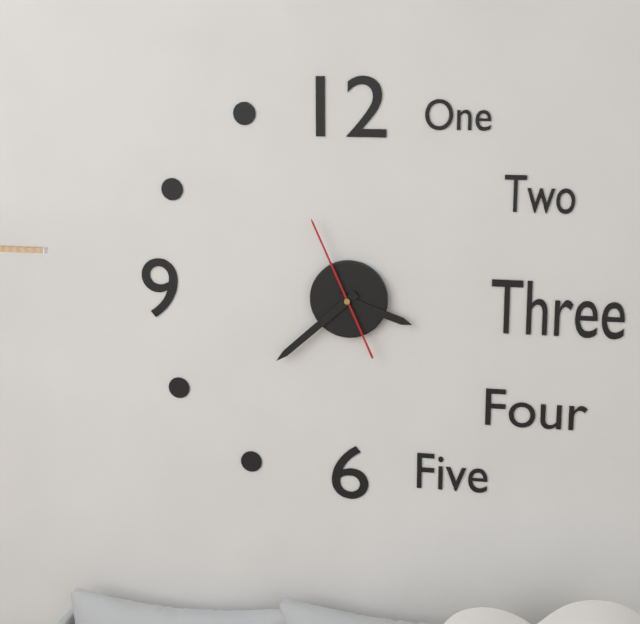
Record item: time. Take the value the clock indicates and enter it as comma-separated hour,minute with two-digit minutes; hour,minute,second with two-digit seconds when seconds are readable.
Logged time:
3,38,56
